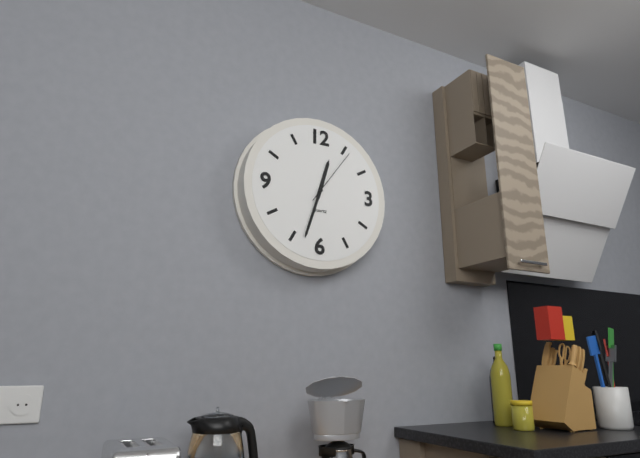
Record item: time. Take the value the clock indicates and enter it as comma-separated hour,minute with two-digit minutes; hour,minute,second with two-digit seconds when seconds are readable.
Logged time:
12,33,06
